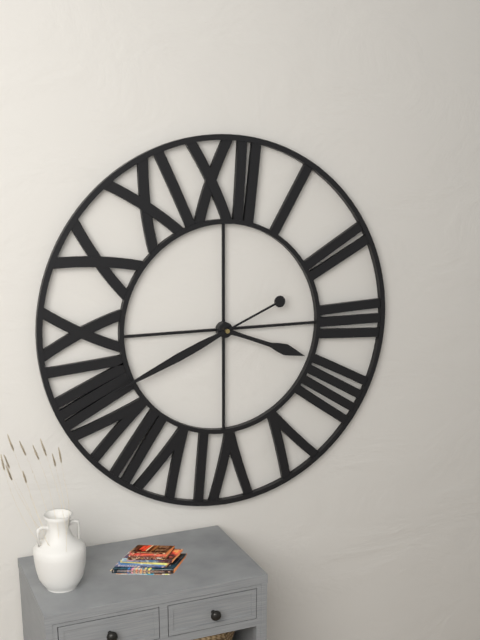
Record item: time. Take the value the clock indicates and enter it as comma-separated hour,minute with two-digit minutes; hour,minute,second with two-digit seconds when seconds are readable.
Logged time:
3,41
